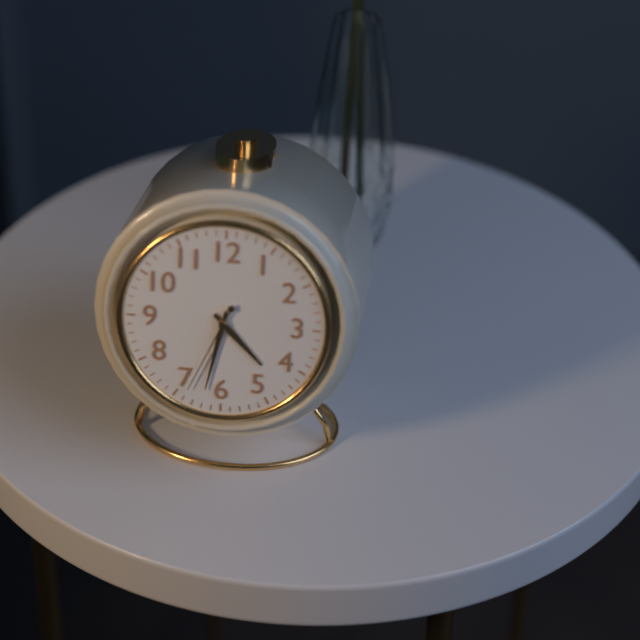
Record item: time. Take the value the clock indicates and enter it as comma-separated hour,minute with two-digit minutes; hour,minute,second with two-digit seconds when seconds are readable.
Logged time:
4,32,34
